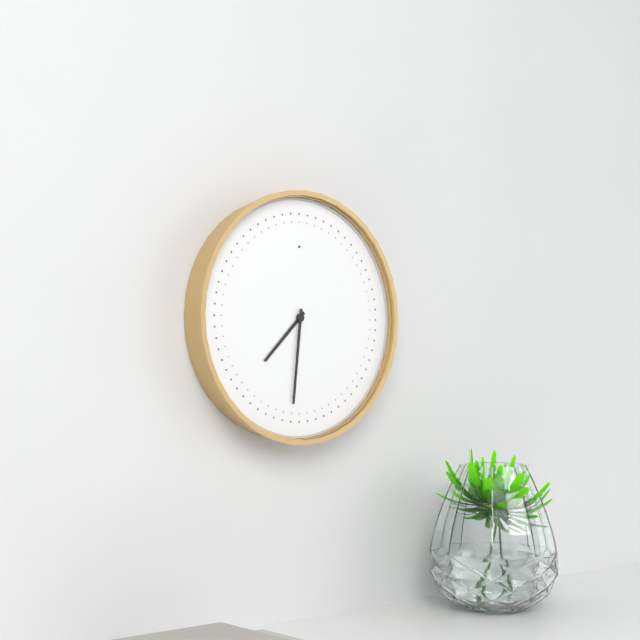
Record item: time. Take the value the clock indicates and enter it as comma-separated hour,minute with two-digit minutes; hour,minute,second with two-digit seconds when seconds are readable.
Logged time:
7,31
